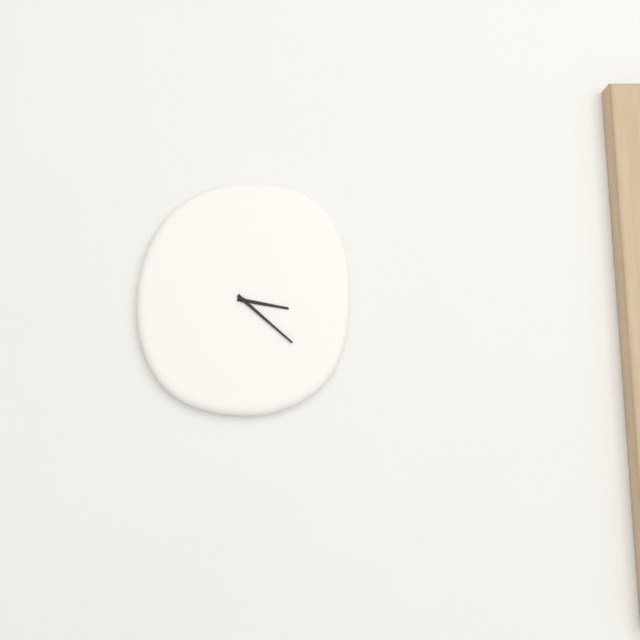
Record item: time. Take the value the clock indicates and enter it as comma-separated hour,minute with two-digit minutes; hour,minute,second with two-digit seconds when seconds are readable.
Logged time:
3,22
